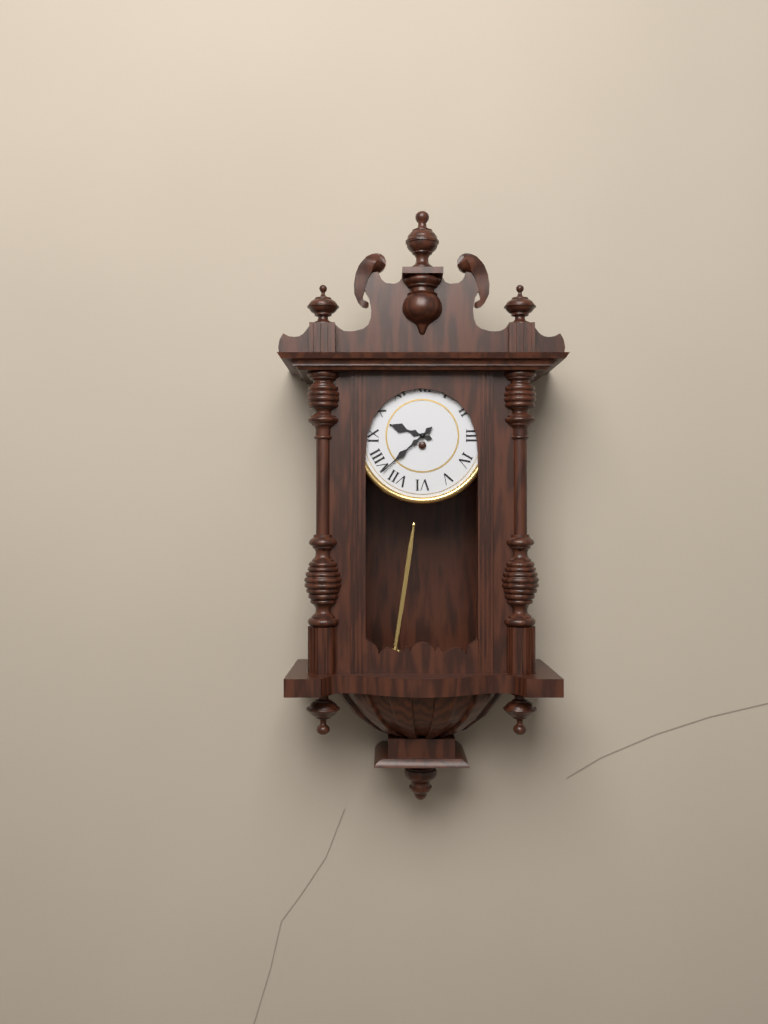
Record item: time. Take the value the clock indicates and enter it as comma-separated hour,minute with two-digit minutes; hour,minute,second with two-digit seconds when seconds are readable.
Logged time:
9,38
